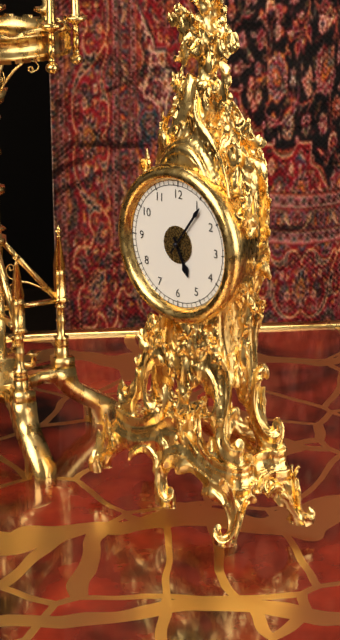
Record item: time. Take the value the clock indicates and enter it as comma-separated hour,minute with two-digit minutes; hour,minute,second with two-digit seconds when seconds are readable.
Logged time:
5,06
